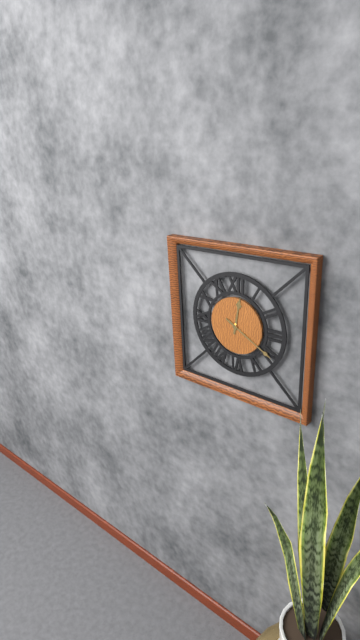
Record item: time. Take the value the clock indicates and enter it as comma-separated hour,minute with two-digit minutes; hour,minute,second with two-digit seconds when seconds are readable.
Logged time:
12,20
